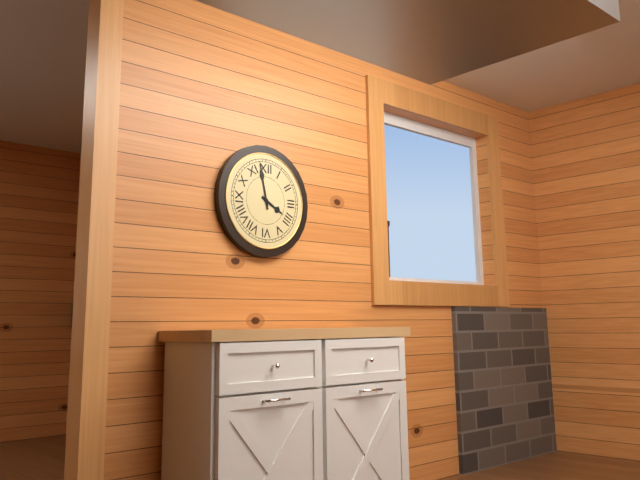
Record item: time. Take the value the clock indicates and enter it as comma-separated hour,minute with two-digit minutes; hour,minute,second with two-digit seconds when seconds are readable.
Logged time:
3,58
